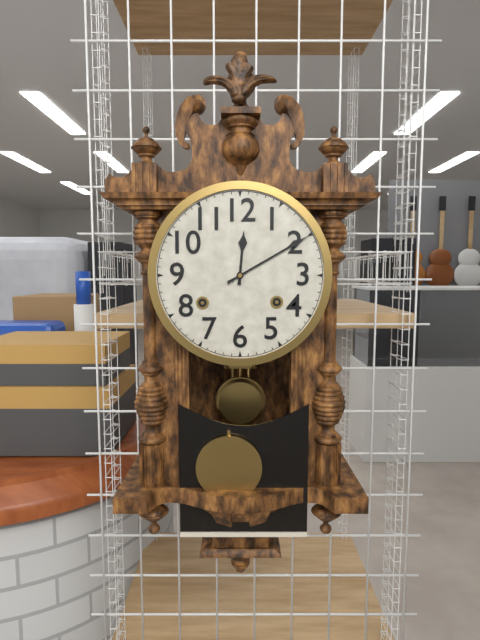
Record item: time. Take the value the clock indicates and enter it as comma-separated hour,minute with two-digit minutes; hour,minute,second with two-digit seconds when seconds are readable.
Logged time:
12,10
